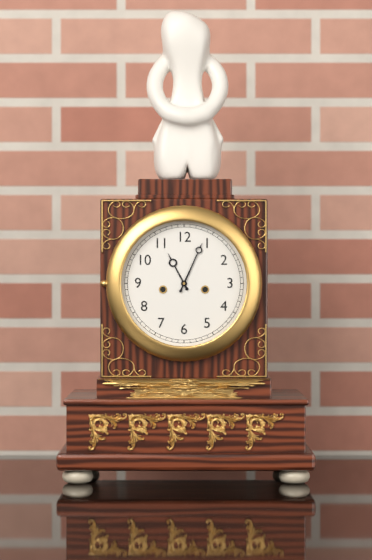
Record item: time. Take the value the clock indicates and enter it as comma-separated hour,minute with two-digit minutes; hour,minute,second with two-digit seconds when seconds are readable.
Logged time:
11,04
